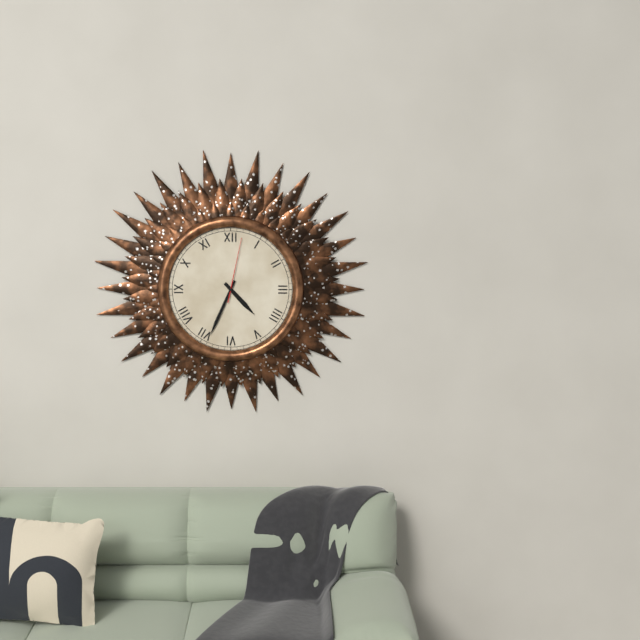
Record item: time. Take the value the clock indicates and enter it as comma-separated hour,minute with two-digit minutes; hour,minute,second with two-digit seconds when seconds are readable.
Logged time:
4,34,02
